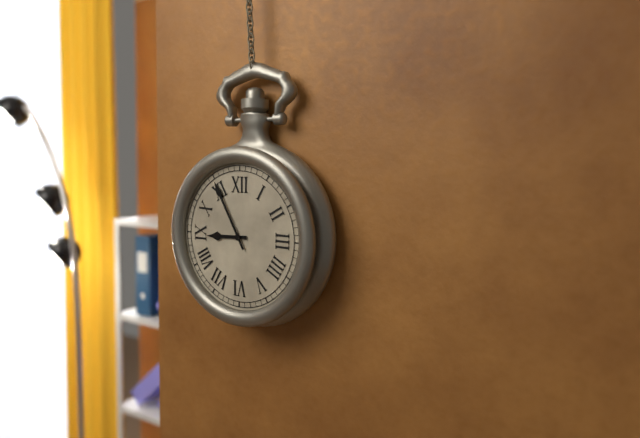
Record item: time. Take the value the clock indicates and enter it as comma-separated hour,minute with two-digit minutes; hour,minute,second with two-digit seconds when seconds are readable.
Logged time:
8,55
